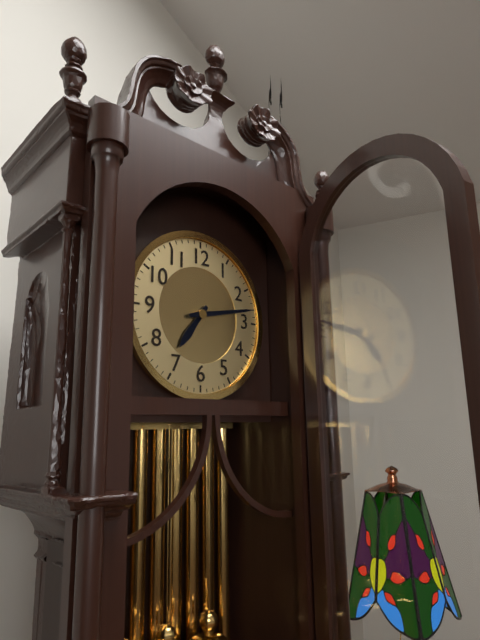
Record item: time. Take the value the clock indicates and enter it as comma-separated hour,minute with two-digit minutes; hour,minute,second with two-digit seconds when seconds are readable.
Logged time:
7,13
